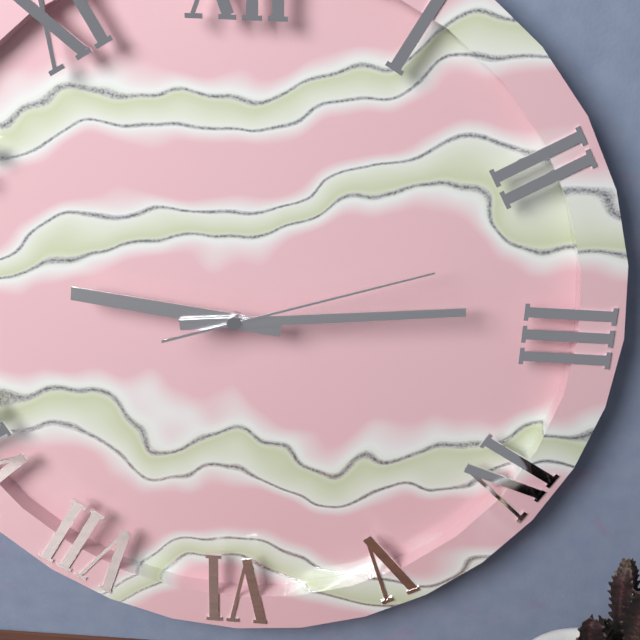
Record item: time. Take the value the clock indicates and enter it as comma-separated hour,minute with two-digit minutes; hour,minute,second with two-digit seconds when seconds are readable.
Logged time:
9,14,12
